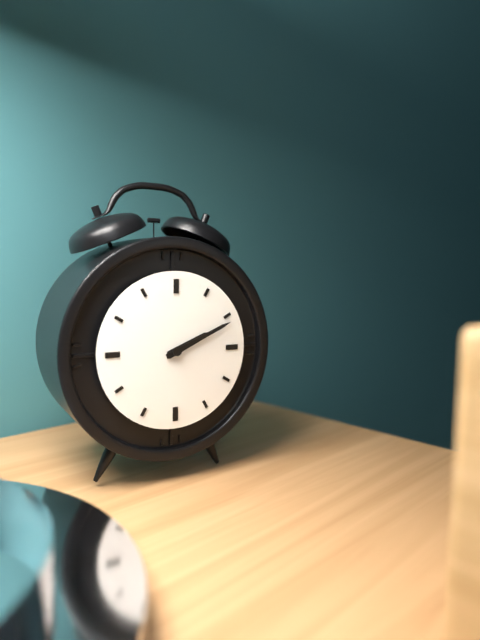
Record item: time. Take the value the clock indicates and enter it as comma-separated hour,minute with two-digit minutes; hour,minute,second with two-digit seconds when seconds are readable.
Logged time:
2,11
